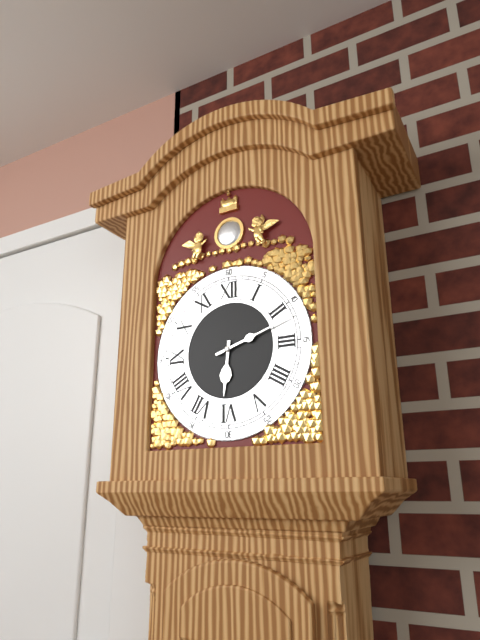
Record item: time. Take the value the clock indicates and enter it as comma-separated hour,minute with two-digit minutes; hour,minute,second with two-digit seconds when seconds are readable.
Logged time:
6,12
